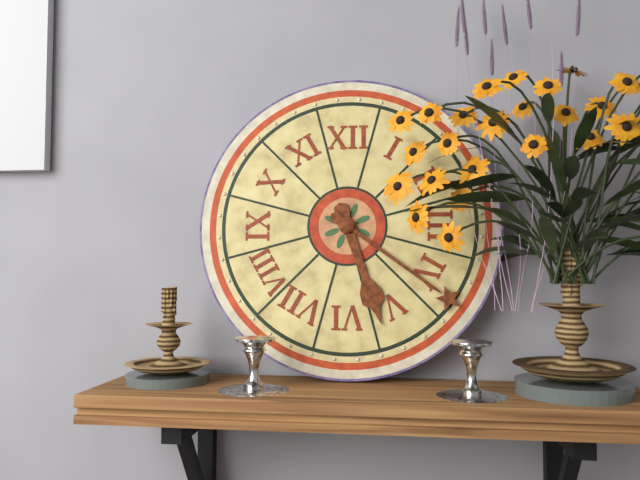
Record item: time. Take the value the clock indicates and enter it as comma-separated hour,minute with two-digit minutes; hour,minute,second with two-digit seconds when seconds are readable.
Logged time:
5,21
